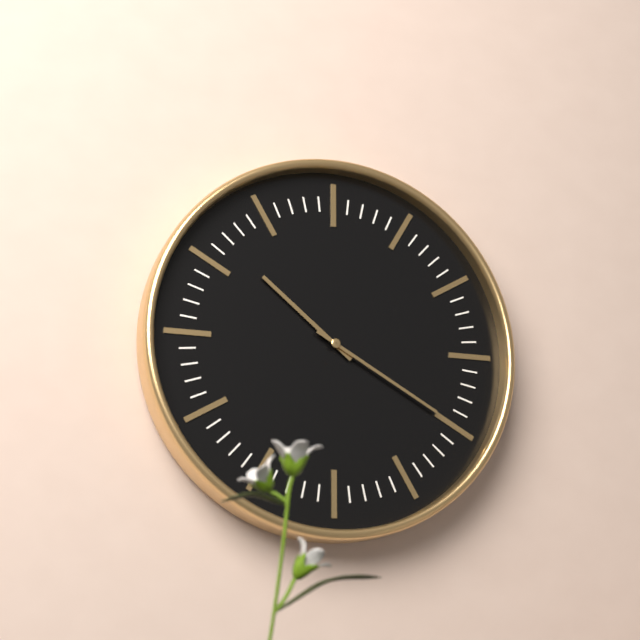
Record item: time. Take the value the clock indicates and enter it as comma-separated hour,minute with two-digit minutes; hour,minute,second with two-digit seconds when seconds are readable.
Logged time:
10,20
